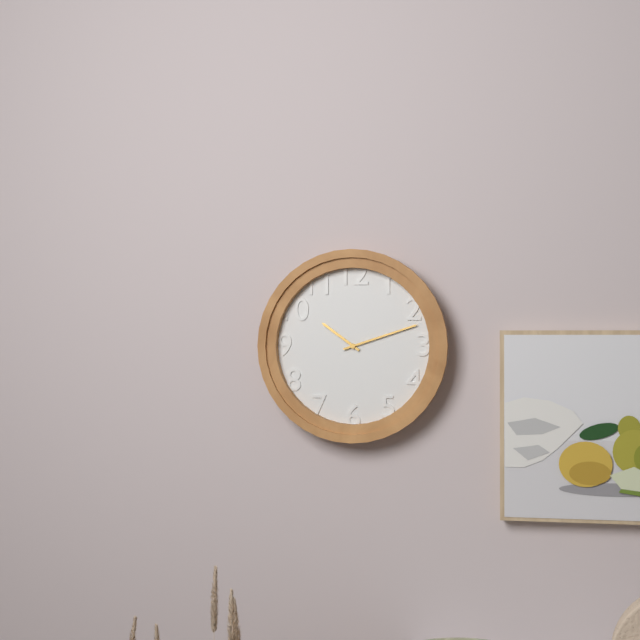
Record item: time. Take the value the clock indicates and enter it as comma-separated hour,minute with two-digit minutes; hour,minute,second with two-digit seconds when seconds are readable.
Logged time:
10,12
